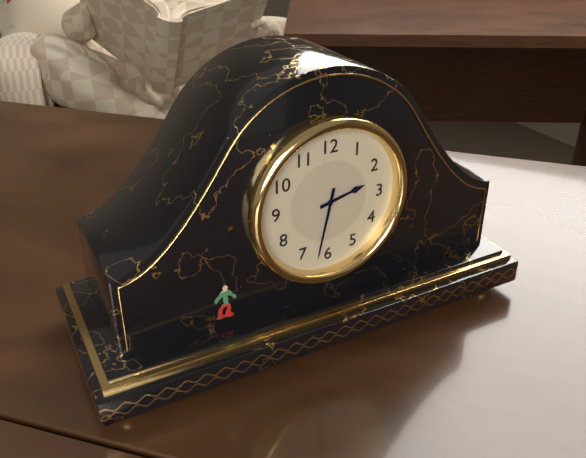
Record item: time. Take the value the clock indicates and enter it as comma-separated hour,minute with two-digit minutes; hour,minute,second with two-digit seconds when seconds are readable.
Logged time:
2,32
